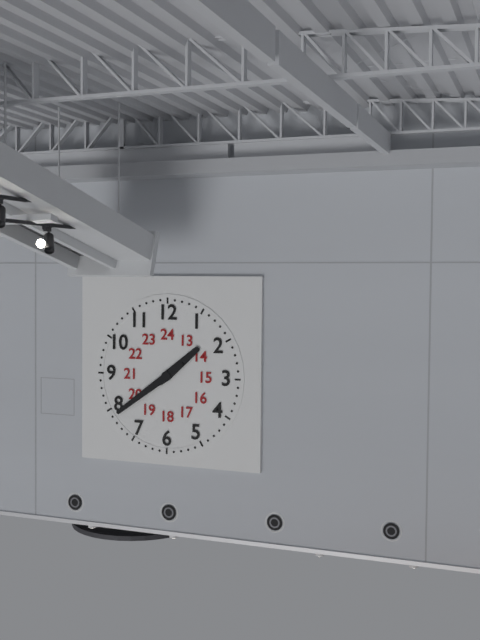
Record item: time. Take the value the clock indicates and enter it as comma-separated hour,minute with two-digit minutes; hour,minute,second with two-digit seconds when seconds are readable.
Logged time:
1,39
